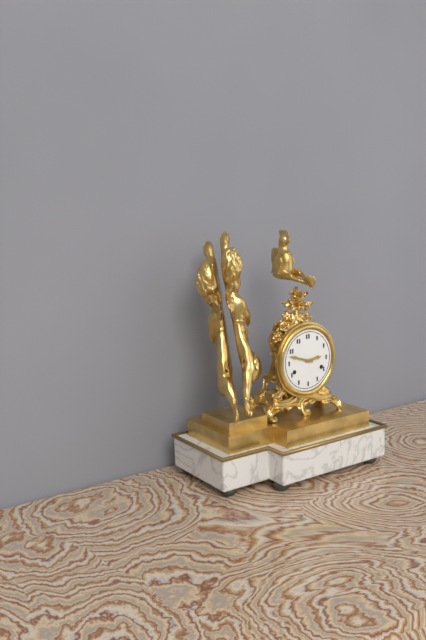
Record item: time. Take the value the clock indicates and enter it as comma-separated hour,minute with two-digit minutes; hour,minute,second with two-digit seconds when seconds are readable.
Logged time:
2,48
